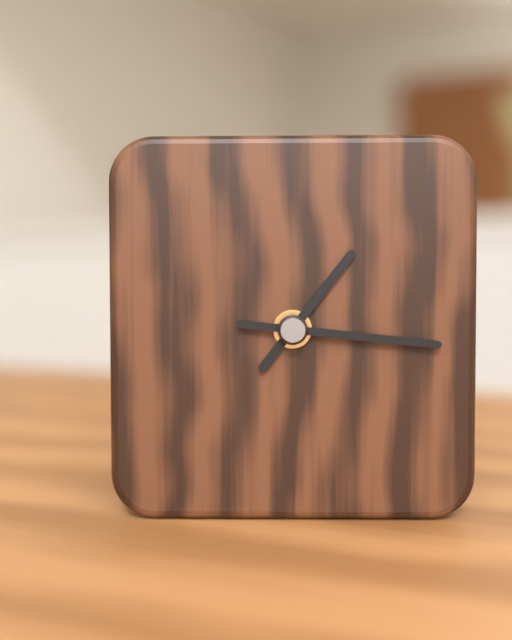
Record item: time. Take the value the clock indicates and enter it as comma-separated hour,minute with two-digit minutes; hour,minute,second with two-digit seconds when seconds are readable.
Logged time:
1,16
